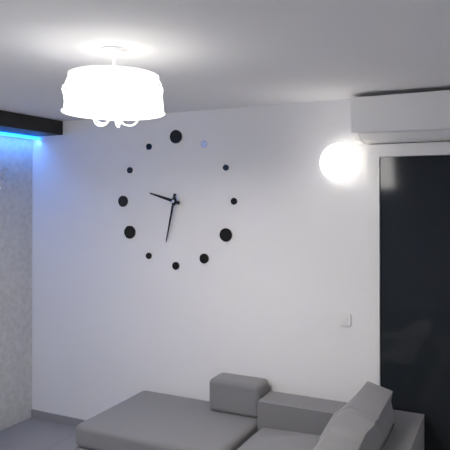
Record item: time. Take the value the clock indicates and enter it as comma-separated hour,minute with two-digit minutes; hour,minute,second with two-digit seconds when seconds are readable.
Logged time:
9,32
